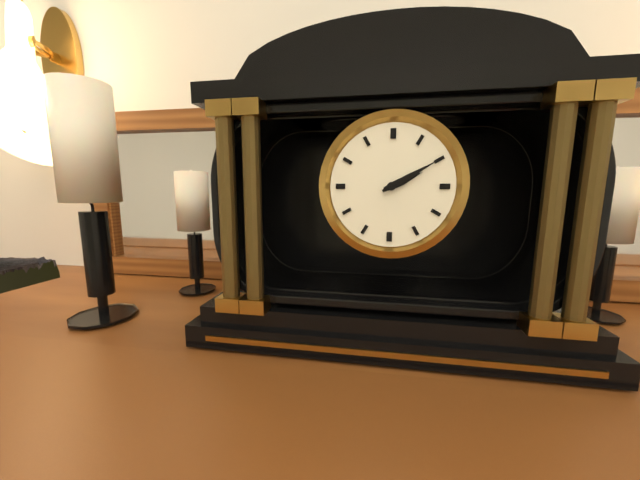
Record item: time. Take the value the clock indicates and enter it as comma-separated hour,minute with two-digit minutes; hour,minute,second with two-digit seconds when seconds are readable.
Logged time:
2,10
